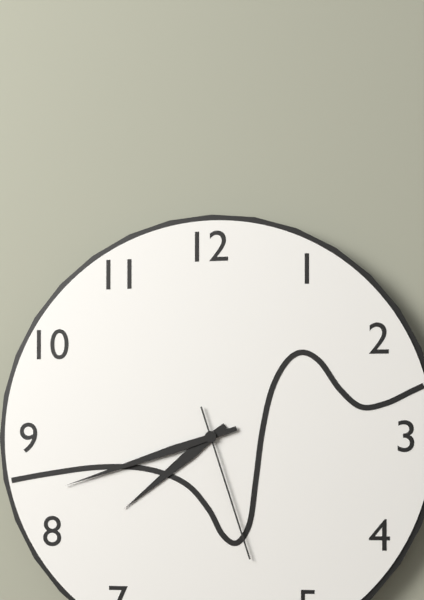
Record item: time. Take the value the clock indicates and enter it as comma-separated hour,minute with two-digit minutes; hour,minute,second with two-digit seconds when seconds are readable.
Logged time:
7,42,27
